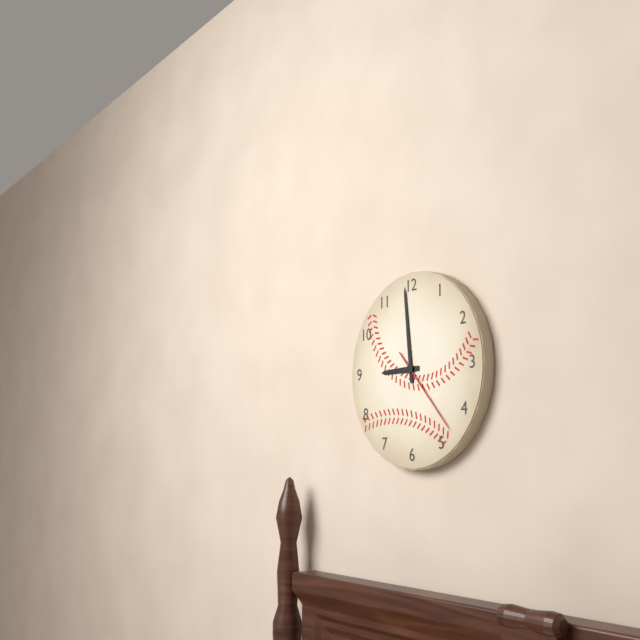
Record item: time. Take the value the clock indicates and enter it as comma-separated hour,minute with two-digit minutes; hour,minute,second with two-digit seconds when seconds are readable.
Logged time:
8,59,23
